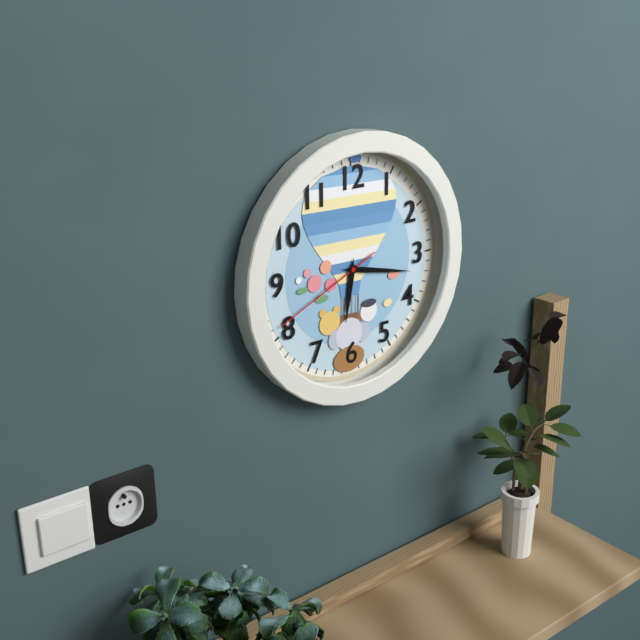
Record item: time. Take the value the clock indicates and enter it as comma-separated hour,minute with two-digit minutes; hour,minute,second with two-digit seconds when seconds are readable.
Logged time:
6,17,41
